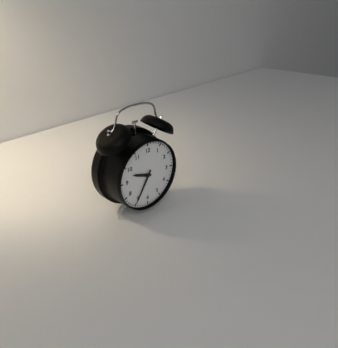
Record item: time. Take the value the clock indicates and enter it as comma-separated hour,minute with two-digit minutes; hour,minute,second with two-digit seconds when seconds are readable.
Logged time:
9,35
